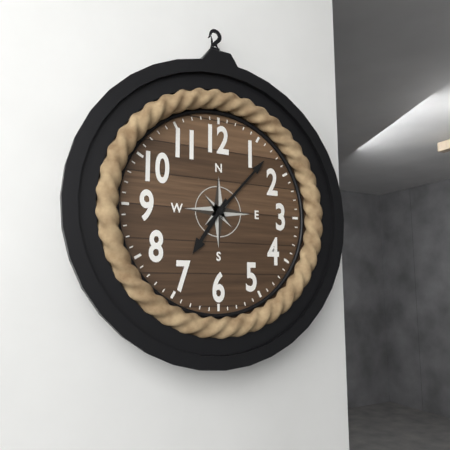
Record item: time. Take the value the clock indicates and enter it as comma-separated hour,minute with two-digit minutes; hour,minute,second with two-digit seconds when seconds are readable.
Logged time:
7,07
